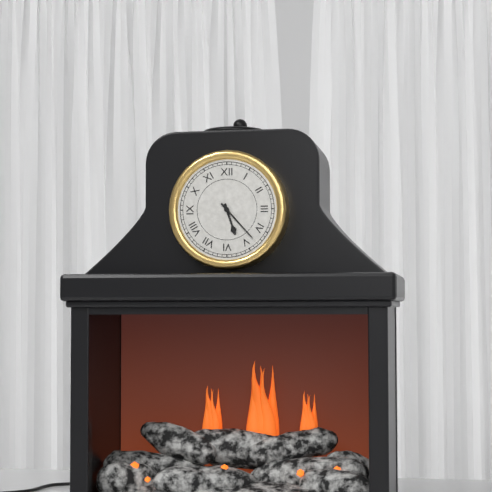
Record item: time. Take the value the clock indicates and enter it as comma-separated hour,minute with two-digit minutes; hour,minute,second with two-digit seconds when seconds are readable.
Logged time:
5,23
